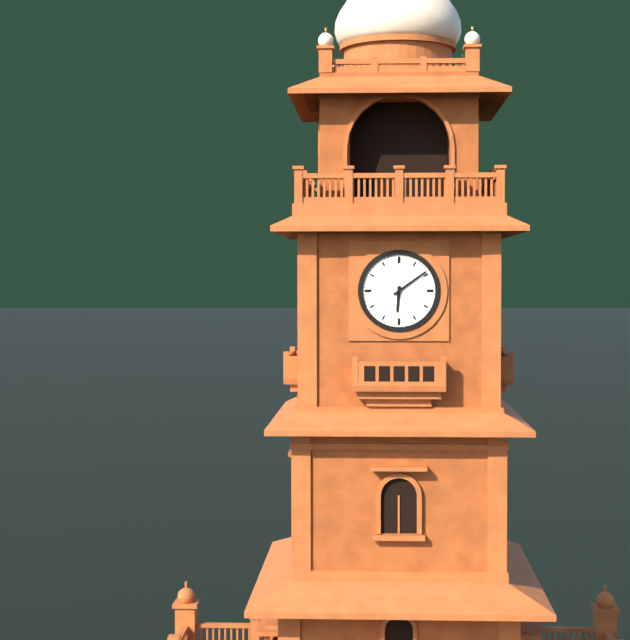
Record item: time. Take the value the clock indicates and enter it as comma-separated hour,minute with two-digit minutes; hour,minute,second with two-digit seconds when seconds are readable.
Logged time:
6,09
